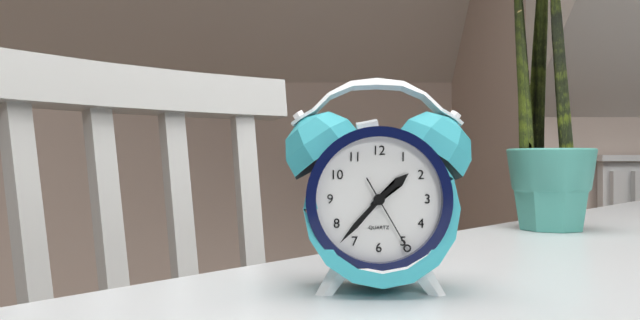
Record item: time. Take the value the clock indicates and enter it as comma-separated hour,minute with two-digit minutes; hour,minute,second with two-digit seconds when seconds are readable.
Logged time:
1,37,25
